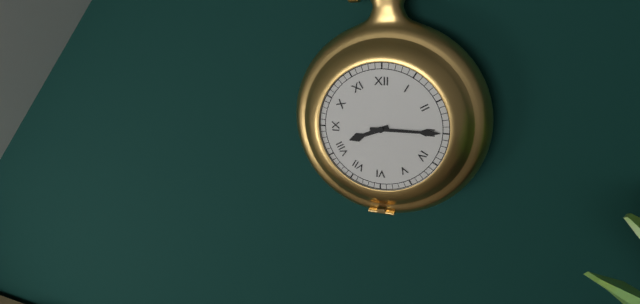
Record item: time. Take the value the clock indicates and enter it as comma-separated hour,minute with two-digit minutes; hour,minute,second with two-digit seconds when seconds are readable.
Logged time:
8,15
